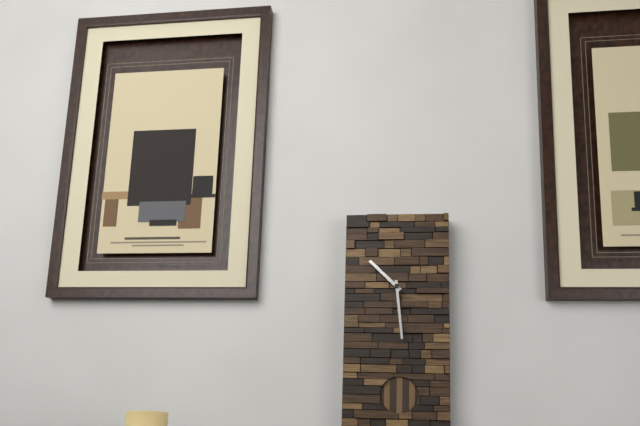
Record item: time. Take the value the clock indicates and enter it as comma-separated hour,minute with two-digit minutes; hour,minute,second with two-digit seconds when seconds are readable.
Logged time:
10,29
